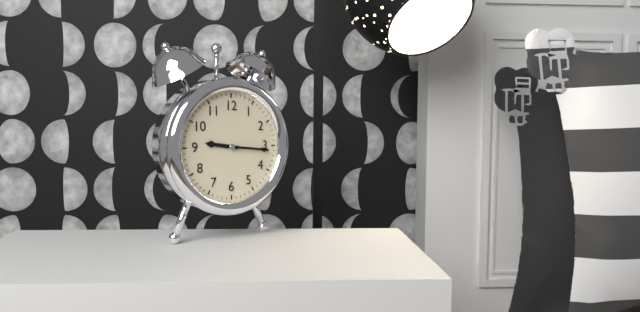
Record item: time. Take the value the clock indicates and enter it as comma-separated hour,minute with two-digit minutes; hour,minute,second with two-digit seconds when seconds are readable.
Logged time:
9,16
